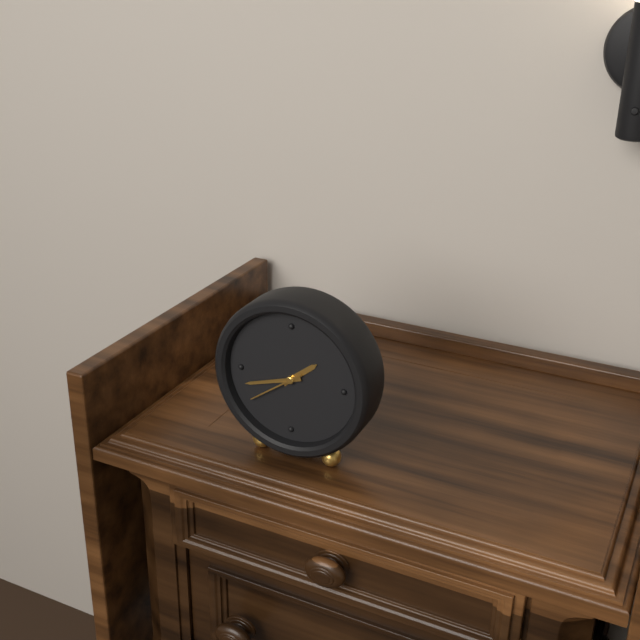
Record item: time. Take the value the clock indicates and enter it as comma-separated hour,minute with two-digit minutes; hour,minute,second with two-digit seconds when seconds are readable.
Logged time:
1,42,39
